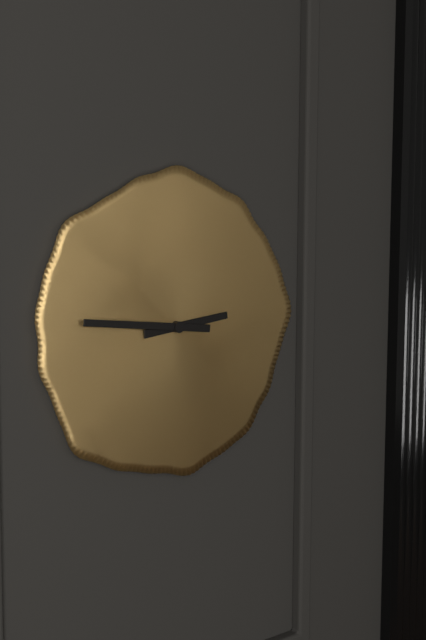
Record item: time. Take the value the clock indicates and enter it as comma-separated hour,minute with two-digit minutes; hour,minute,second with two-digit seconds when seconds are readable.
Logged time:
2,46
